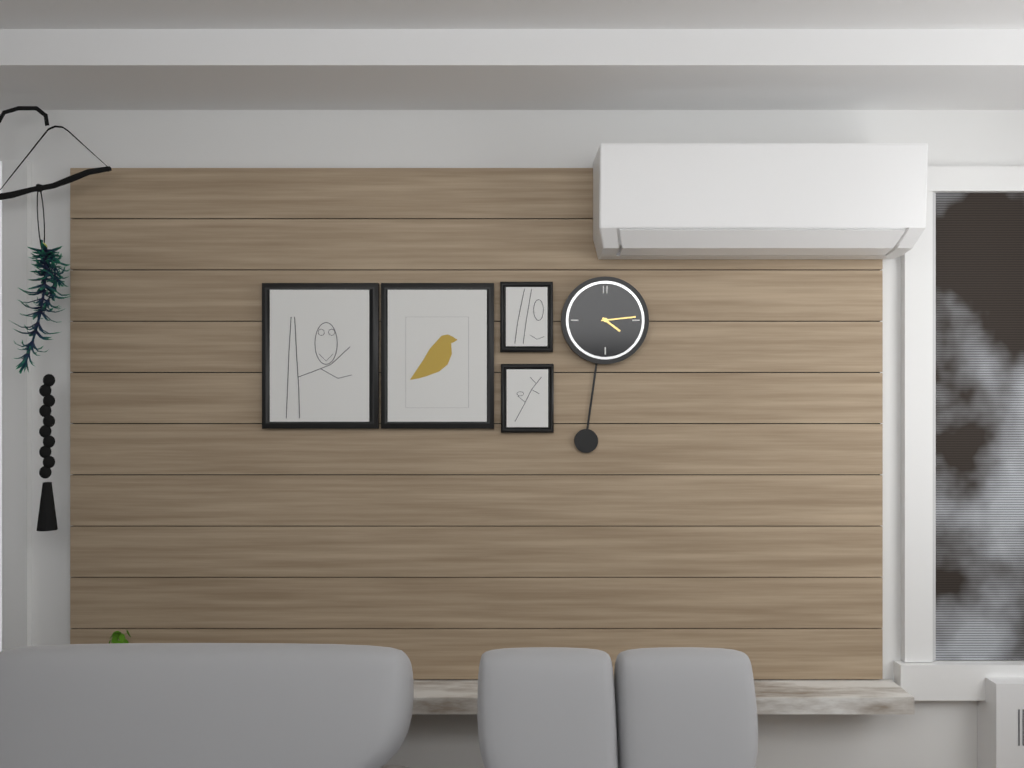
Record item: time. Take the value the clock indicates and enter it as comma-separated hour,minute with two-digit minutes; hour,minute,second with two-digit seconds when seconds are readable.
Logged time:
4,14
